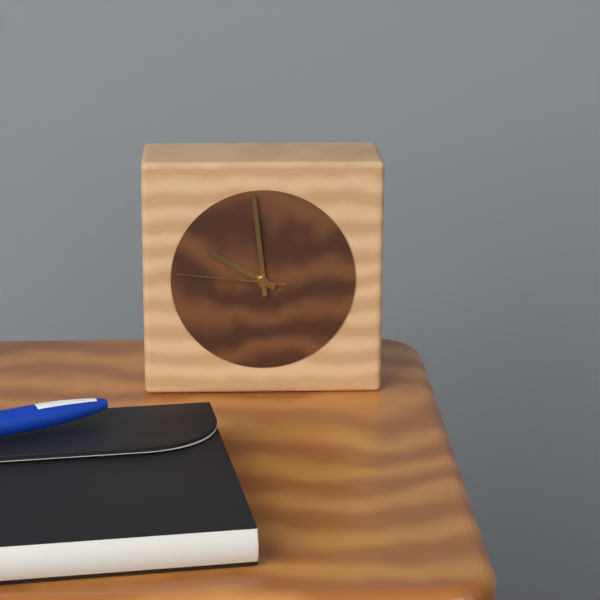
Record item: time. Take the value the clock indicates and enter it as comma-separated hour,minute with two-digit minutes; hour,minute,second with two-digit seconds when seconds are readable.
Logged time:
9,59,46
